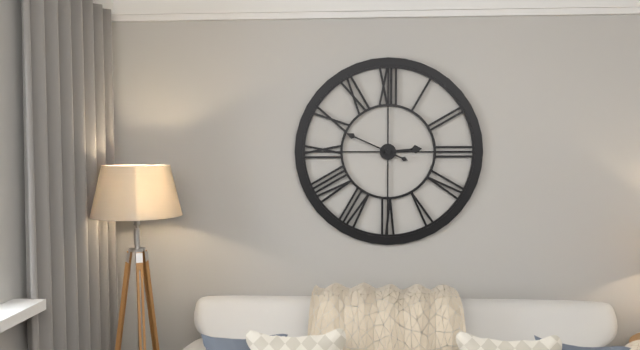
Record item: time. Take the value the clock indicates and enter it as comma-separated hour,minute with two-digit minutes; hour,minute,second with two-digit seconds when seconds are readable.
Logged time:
2,49
